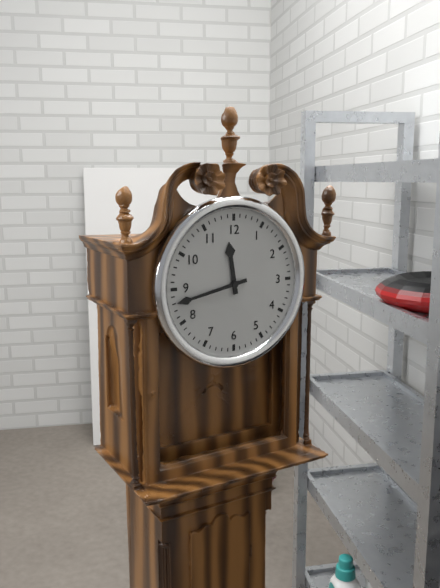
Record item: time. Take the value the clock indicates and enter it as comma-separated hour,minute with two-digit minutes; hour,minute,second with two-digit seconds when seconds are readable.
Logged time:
11,43
